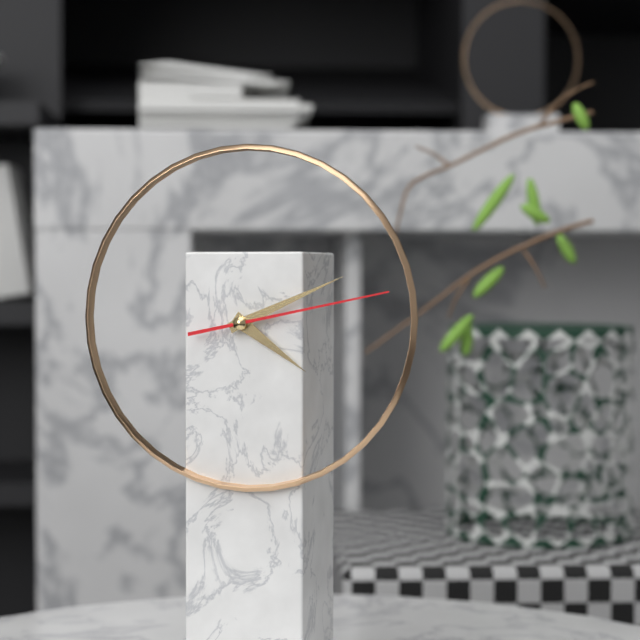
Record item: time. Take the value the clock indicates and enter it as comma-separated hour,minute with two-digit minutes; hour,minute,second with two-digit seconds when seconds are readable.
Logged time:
4,11,13
